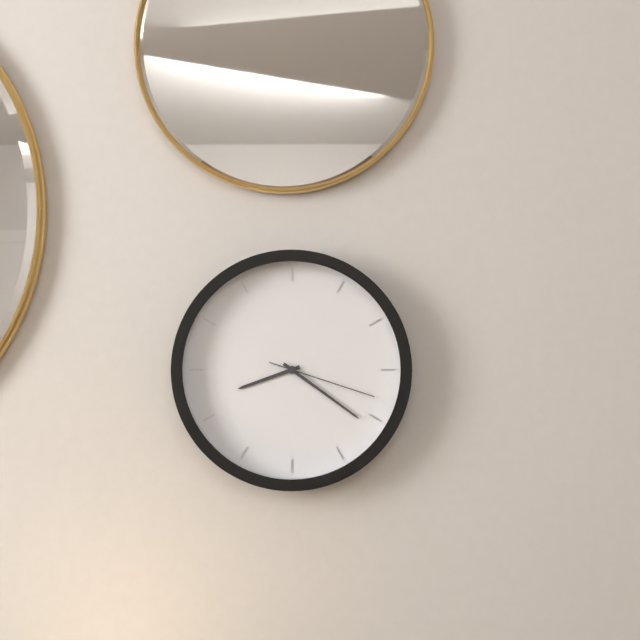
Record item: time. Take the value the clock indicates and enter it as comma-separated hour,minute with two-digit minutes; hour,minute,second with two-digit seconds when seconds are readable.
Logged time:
8,21,18
